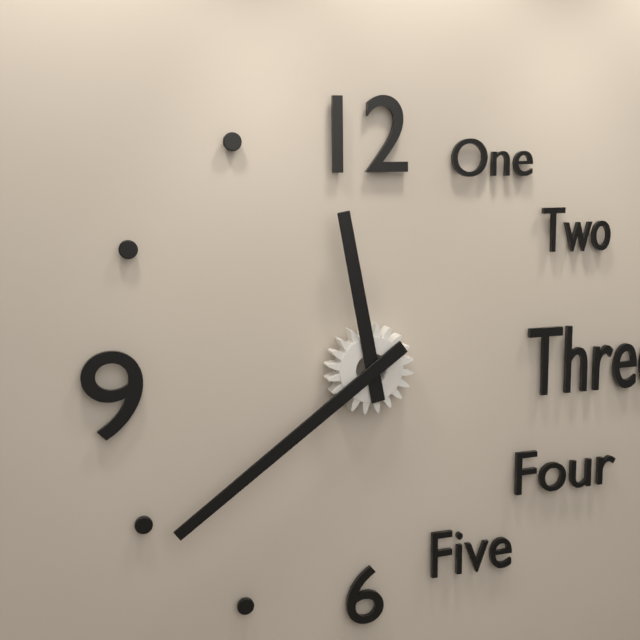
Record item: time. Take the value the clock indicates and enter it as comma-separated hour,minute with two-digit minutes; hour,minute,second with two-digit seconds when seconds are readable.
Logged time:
11,39
